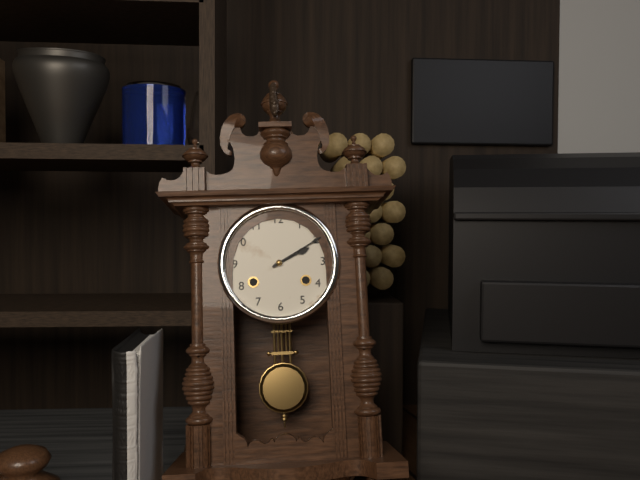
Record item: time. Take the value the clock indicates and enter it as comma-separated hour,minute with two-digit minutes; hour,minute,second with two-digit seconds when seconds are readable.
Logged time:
2,10
